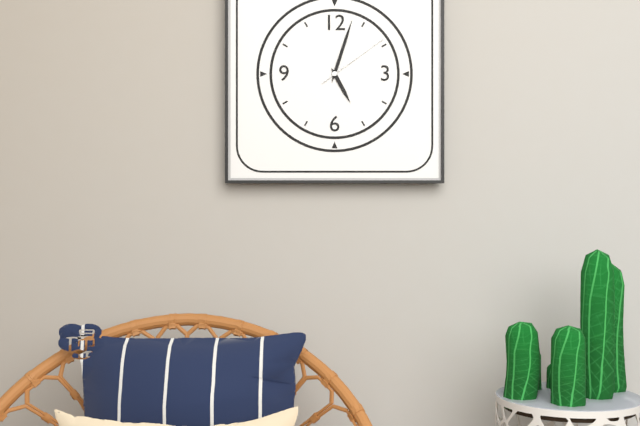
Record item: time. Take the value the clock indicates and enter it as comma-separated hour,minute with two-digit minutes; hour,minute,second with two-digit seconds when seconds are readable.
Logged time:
5,03,09
